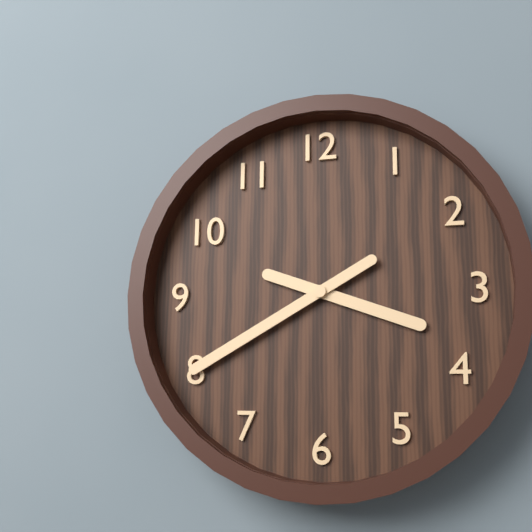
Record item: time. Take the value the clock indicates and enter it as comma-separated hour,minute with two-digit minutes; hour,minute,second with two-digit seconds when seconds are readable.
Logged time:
3,40
